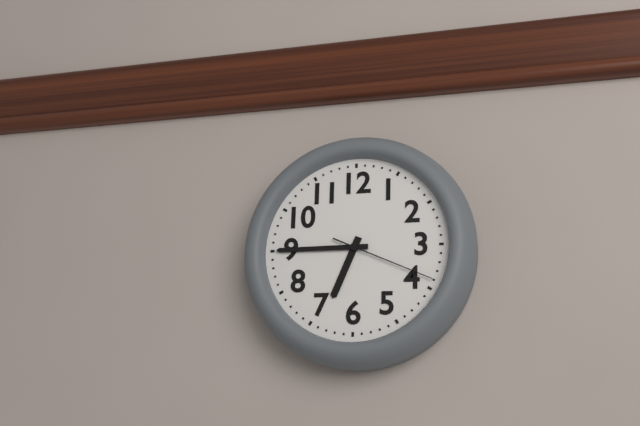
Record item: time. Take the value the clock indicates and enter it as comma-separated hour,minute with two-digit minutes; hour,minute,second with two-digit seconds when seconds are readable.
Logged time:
6,45,19
